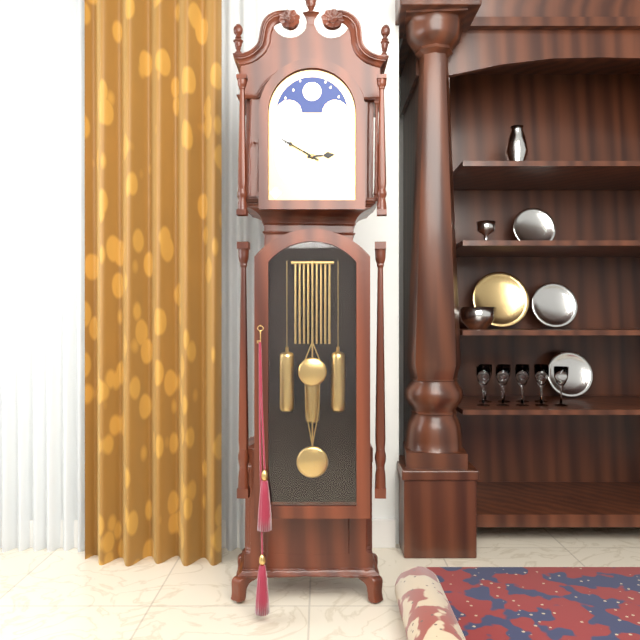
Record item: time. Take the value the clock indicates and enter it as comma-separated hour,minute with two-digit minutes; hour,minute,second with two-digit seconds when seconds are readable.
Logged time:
2,50
